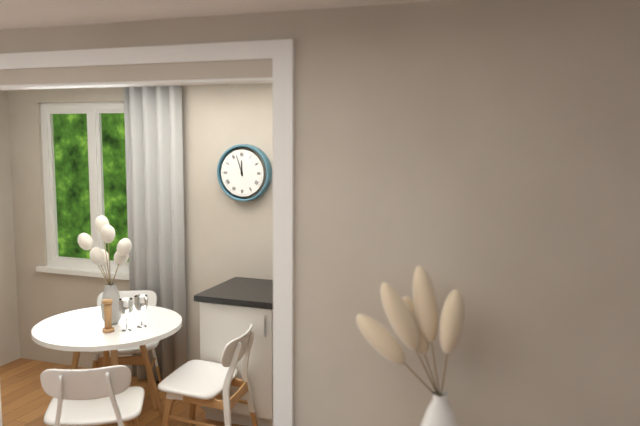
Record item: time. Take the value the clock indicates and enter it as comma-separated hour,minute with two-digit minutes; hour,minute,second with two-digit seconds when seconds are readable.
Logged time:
11,57
